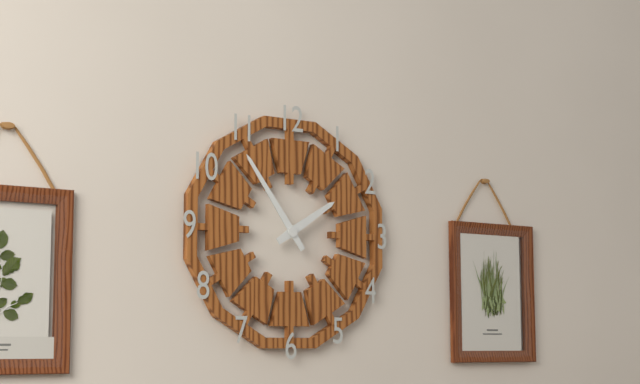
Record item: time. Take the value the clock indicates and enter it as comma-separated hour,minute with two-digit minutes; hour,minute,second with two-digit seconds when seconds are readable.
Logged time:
1,54
